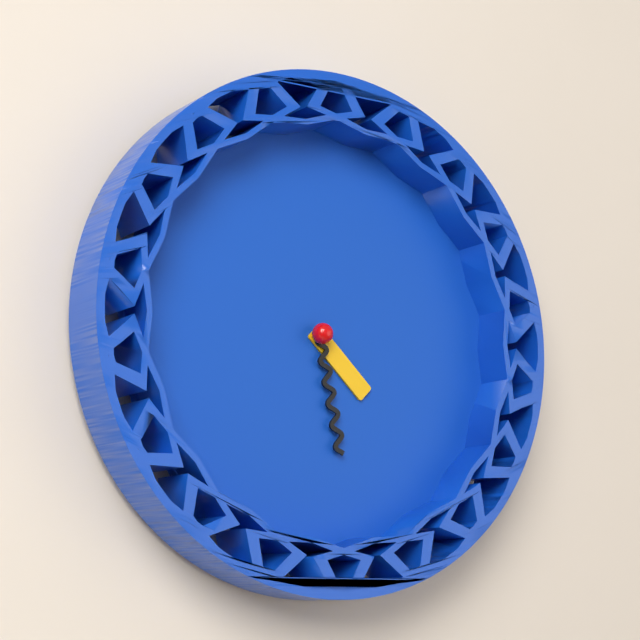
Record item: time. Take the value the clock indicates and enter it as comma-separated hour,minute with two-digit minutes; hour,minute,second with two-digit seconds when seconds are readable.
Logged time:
4,28
